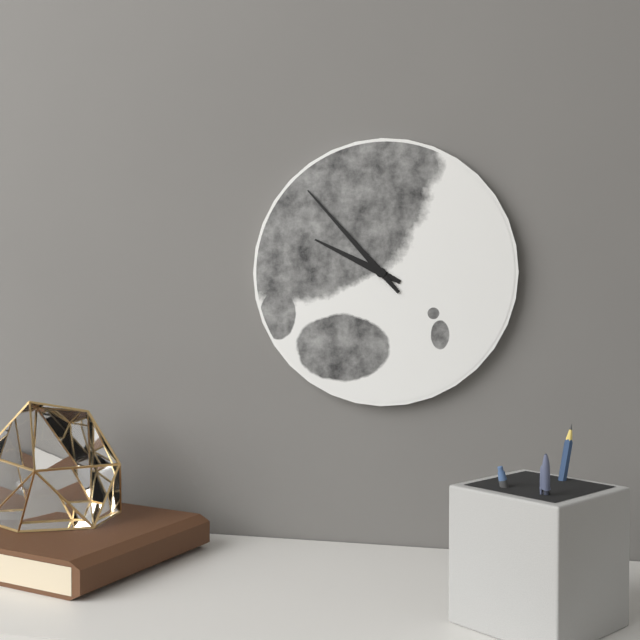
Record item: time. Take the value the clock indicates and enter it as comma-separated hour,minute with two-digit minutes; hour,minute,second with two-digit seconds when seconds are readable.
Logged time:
9,53
